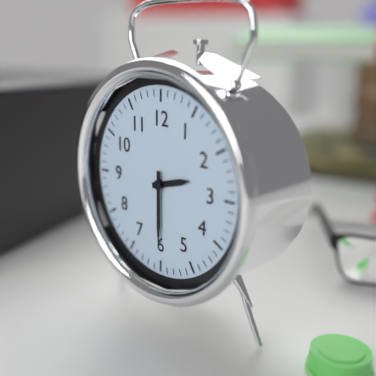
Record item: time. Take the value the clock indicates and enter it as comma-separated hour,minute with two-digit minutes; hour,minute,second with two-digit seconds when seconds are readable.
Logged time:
2,30
